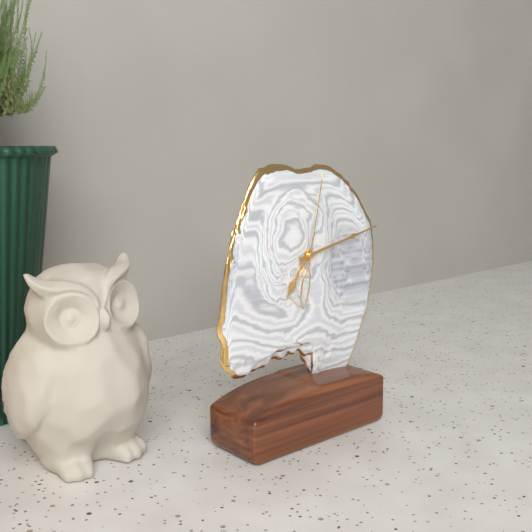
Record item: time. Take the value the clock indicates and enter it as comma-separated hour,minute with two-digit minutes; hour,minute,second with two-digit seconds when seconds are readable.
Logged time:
7,13,02
